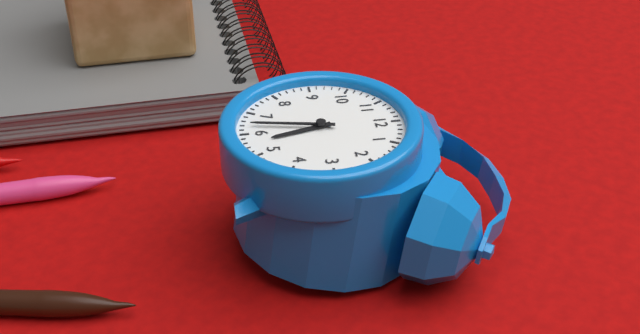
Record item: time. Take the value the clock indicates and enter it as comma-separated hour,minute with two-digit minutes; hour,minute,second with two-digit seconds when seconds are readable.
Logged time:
5,32
